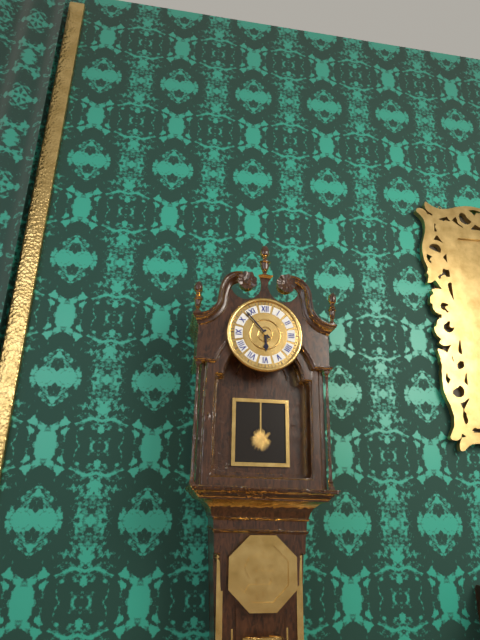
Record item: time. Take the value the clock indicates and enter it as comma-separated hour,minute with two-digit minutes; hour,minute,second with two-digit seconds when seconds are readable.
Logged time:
5,53
